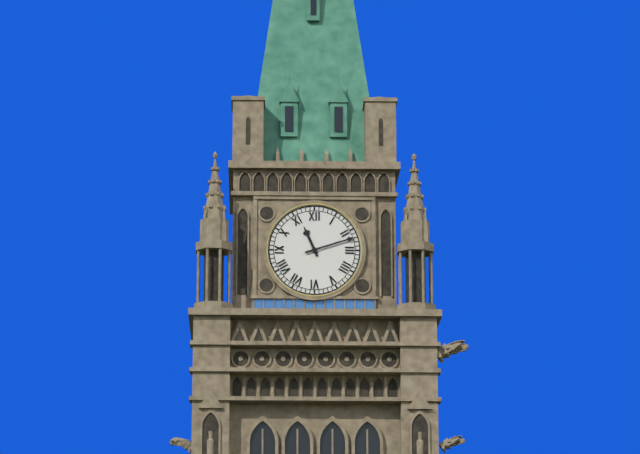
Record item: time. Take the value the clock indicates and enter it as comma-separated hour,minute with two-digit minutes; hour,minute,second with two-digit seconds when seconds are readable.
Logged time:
11,12
